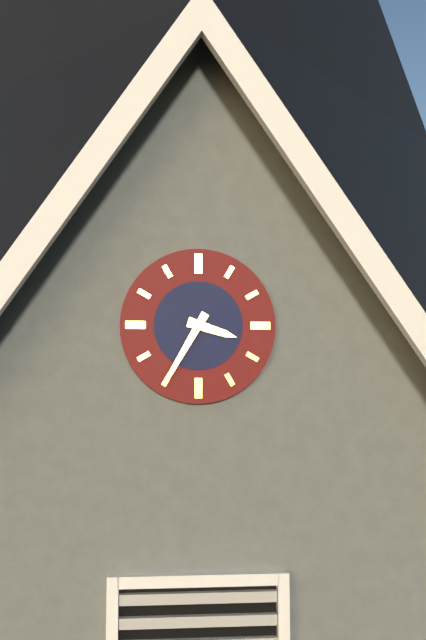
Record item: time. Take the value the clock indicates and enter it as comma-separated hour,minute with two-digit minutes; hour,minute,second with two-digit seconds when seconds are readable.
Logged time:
3,35
